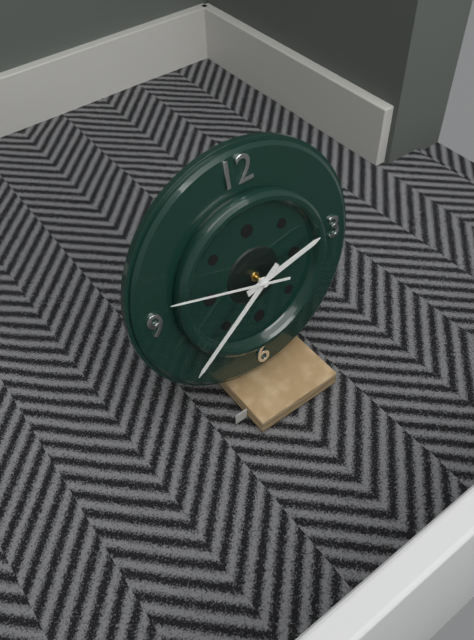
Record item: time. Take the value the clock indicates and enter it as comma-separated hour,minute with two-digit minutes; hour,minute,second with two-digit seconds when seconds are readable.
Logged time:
2,39,48
